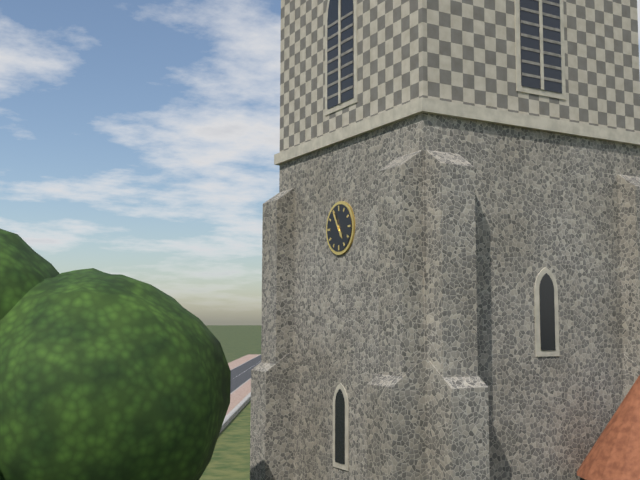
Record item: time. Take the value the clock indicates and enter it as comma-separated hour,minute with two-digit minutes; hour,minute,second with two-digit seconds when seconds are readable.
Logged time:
4,55
